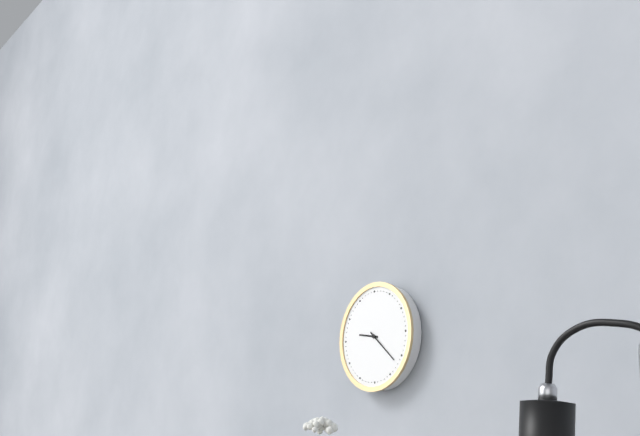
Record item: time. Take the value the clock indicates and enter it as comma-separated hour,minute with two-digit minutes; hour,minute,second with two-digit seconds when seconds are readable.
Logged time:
9,22
